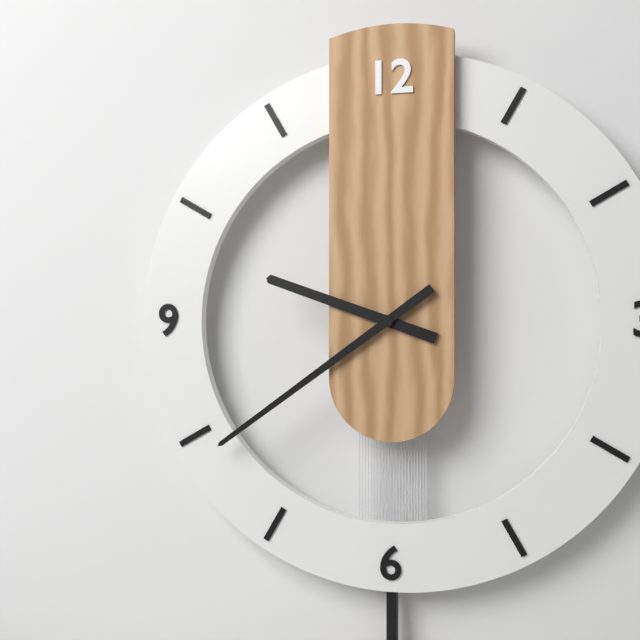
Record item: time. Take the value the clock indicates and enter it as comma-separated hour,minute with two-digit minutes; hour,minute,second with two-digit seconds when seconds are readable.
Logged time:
9,39
